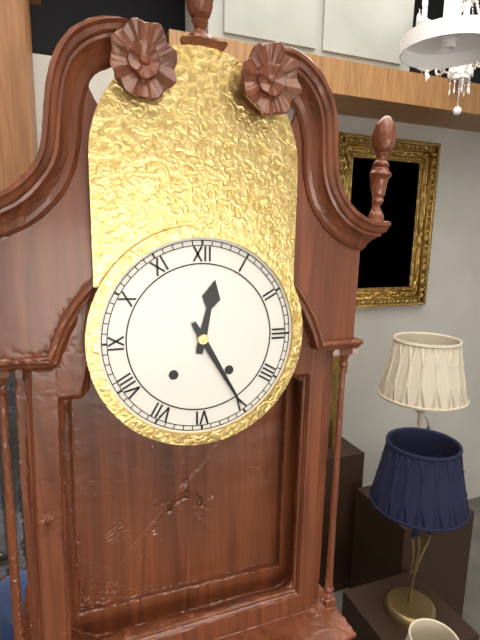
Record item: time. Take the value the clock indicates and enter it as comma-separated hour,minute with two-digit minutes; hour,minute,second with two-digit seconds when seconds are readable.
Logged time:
12,25
